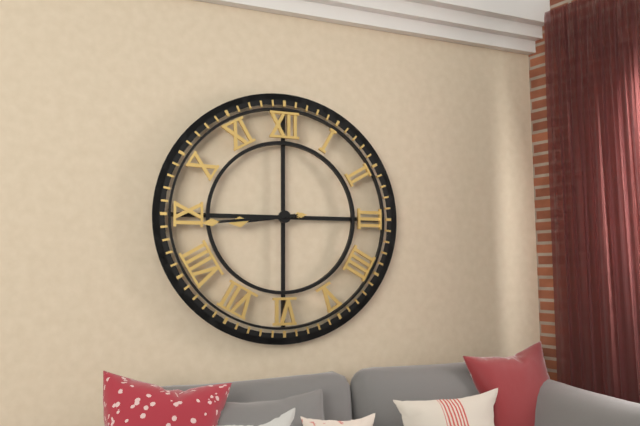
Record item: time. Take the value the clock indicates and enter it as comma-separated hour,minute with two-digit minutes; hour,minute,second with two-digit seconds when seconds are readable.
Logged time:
8,44
